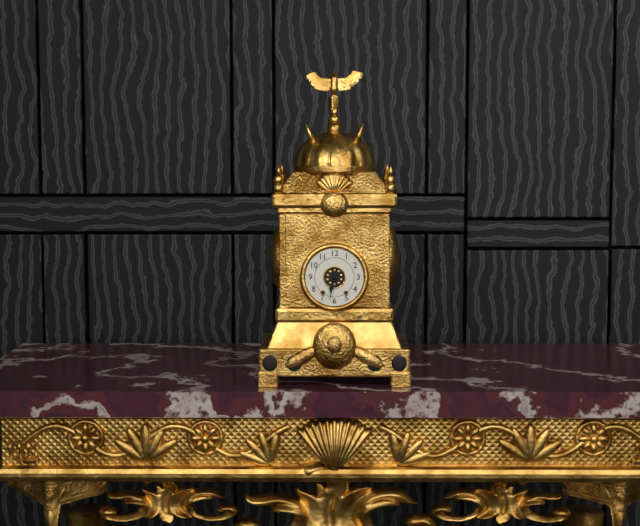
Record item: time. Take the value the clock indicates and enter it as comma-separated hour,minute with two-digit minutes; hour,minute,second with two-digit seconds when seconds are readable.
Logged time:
6,32
